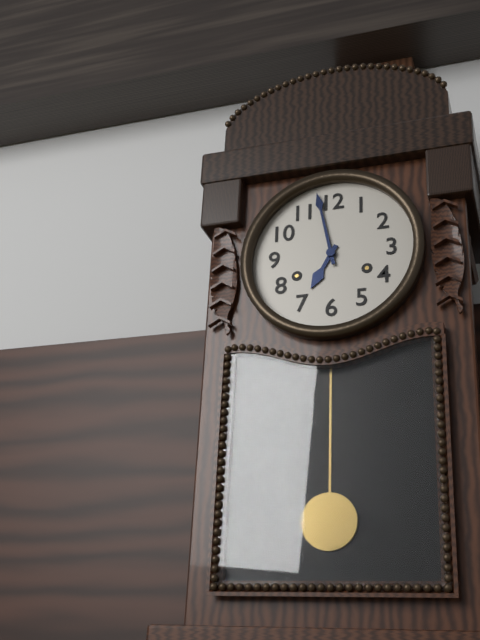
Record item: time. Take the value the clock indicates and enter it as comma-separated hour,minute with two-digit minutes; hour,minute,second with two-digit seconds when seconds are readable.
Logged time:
6,58
